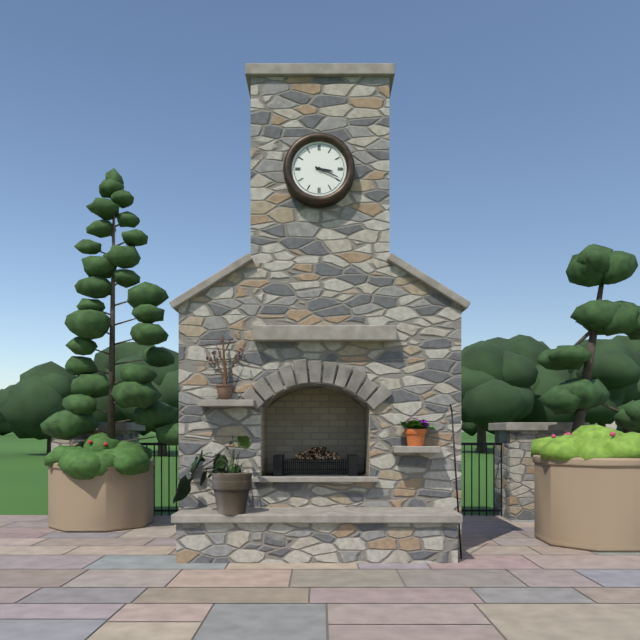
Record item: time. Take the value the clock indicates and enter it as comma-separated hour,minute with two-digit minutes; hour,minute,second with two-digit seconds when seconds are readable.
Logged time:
3,19
